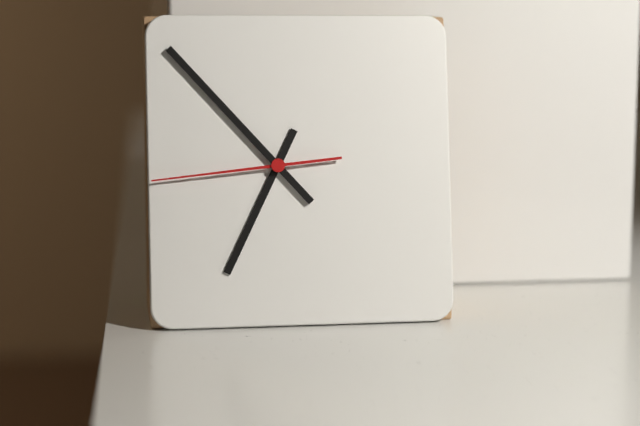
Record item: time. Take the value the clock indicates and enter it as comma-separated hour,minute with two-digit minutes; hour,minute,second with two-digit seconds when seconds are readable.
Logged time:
6,53,44
